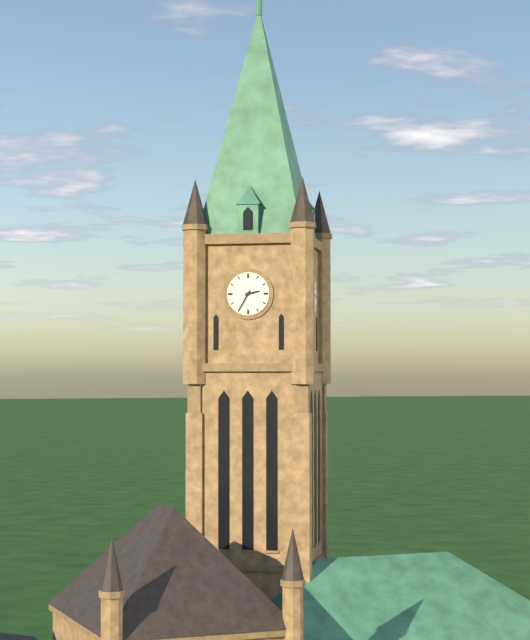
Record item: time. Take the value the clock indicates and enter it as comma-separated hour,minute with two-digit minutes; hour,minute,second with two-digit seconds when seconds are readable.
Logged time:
2,35
